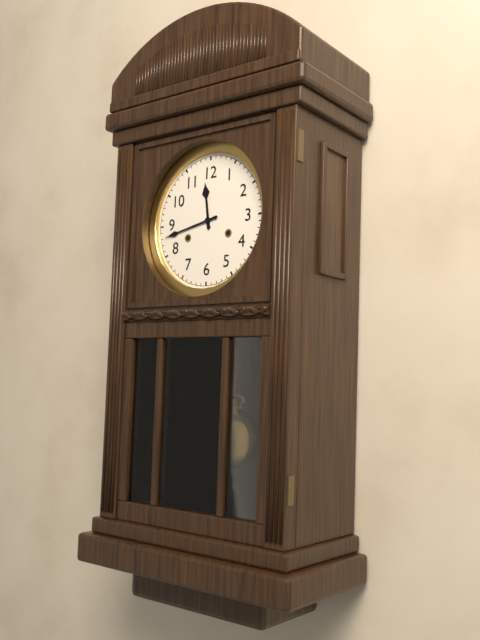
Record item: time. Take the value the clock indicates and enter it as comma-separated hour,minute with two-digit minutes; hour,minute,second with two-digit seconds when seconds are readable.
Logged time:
11,43
